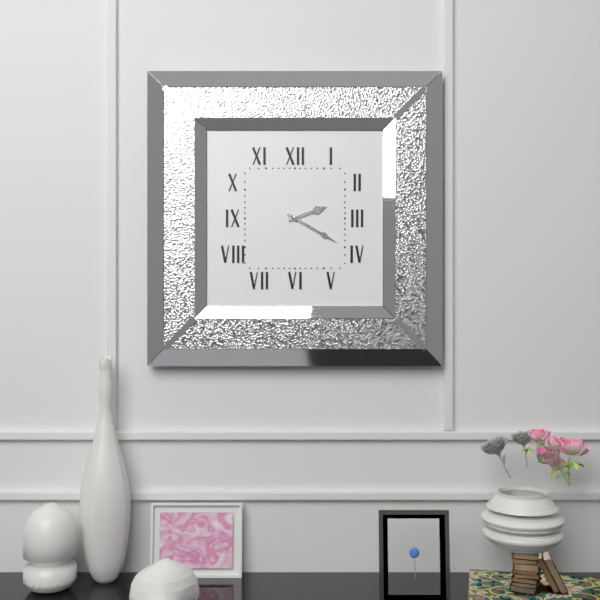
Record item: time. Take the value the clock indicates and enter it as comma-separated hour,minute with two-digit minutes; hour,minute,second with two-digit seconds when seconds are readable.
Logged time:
2,20
